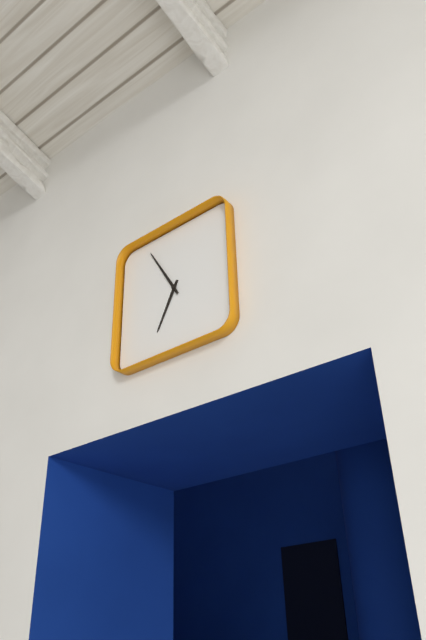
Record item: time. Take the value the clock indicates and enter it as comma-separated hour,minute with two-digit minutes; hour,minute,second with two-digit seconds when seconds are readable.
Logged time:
6,55
